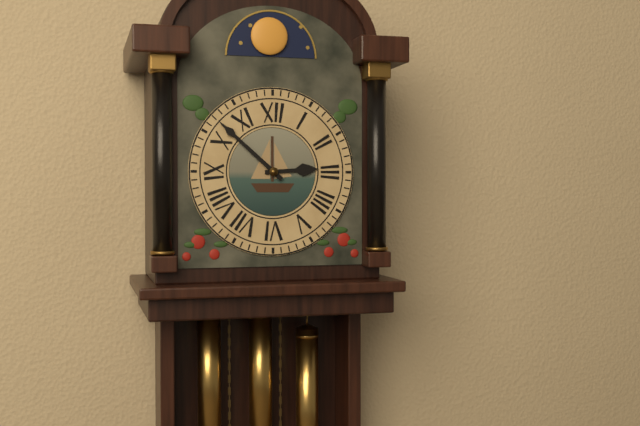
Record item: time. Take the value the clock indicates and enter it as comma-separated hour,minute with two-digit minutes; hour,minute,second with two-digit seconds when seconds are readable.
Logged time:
2,52
